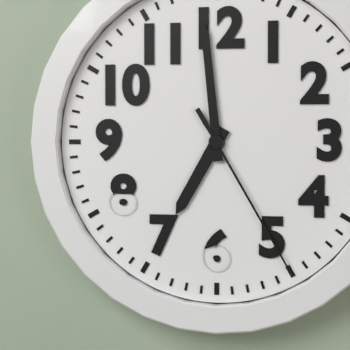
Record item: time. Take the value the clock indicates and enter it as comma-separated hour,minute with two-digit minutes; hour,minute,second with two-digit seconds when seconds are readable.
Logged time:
6,59,25
